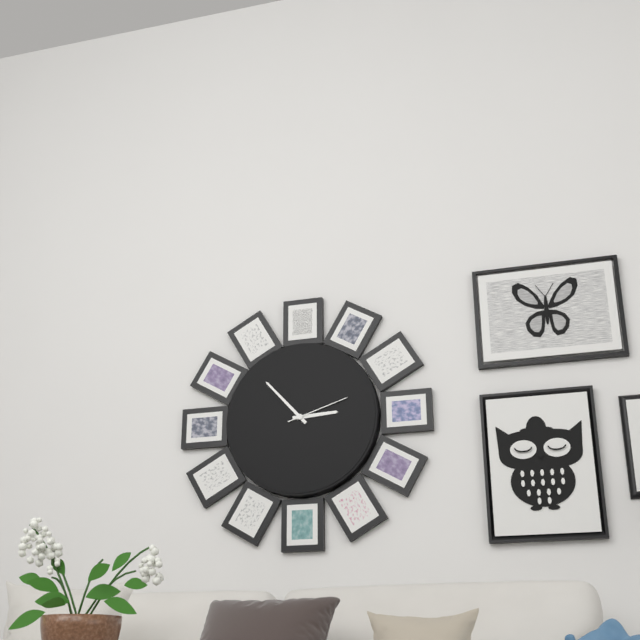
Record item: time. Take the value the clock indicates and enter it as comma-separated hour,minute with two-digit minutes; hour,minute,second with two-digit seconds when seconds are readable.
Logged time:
2,53,12
